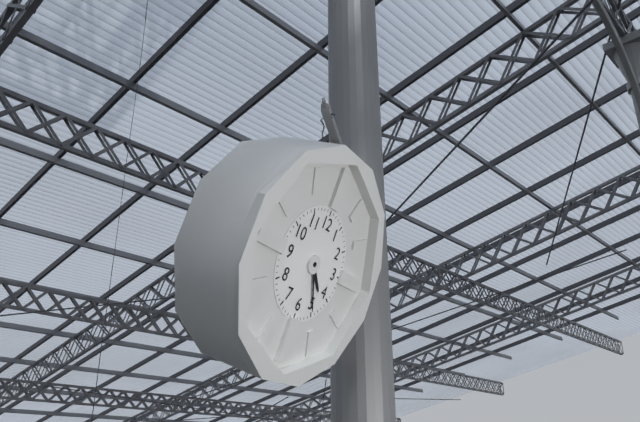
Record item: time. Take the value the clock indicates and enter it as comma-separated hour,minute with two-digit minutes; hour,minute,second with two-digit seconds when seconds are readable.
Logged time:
4,25
